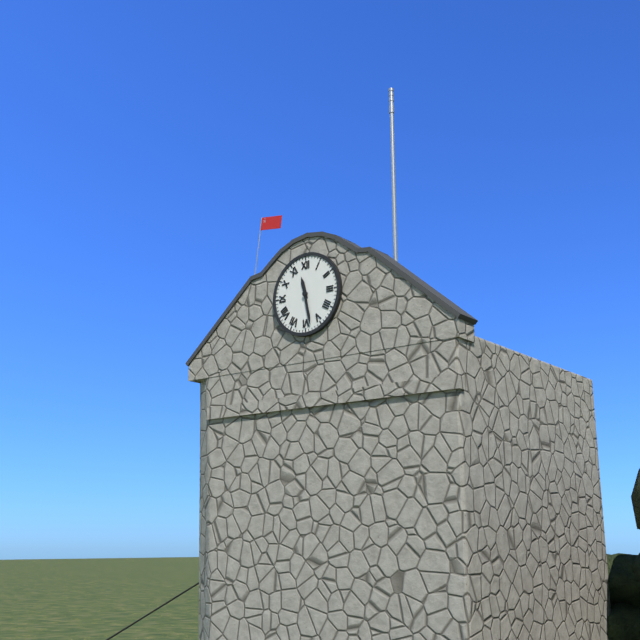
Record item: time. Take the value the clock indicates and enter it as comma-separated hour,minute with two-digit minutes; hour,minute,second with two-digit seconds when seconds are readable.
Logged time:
11,28
